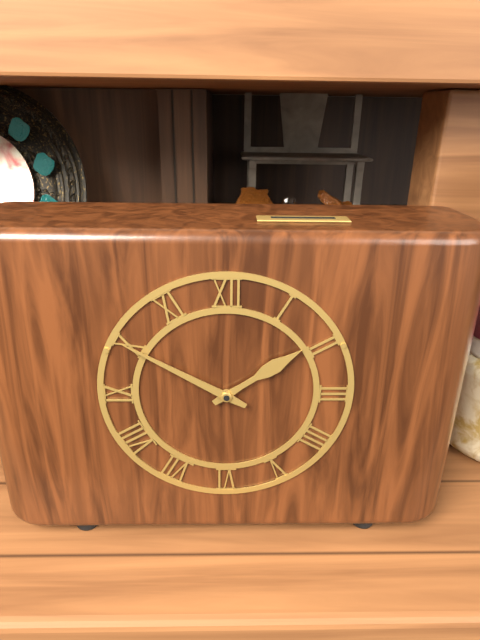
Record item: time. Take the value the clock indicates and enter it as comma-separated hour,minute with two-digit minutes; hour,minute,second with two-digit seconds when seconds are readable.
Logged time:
1,50
